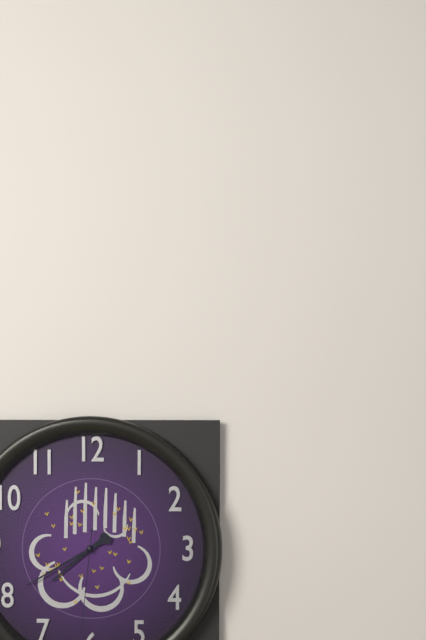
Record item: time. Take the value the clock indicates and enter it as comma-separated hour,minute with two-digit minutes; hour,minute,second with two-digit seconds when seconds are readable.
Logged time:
7,40,31
